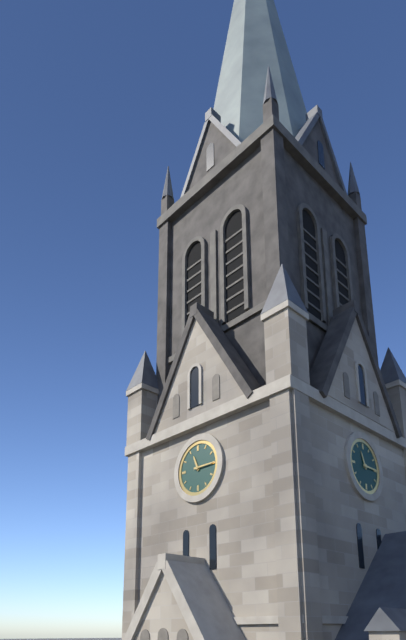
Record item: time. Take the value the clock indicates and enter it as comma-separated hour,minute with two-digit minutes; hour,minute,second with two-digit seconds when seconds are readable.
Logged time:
11,15
